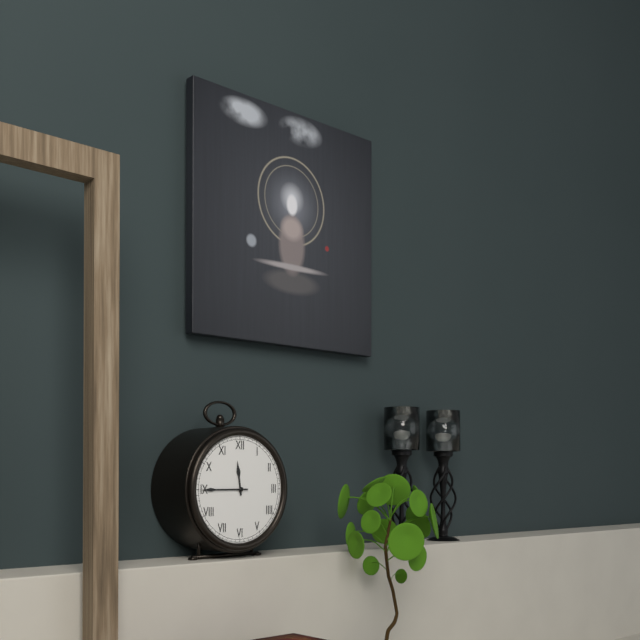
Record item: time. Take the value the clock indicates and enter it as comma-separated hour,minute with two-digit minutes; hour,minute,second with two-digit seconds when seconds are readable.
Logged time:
11,45
